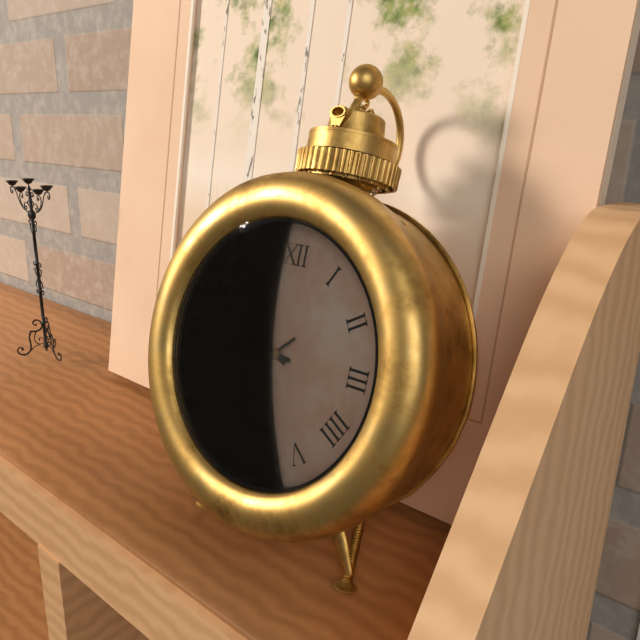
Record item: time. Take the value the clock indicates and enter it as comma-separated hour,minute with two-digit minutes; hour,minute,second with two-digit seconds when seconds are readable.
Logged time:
9,46,38
